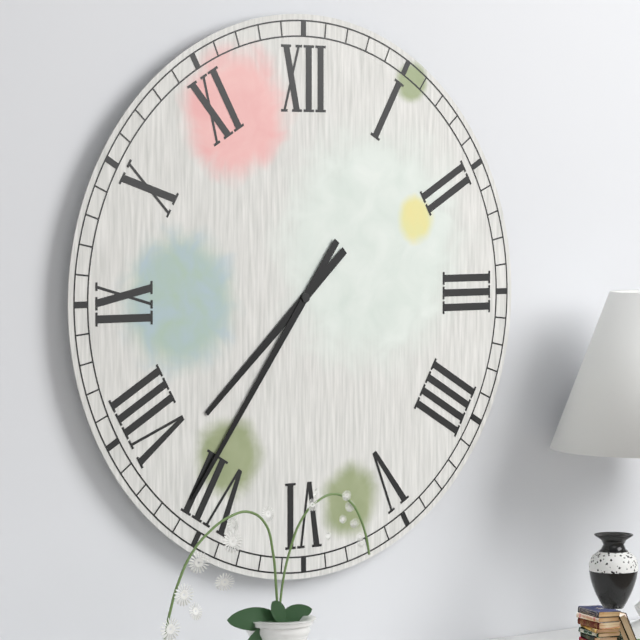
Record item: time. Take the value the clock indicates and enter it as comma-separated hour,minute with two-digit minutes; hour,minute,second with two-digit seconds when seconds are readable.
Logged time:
7,36
